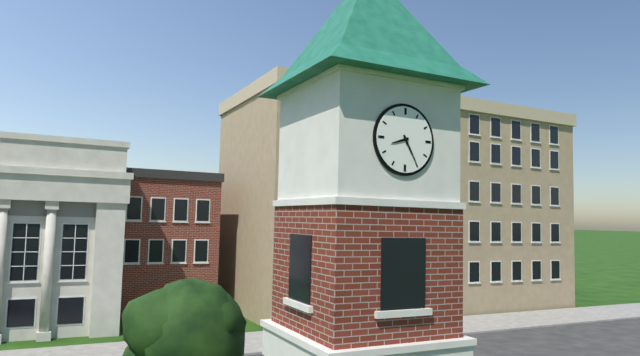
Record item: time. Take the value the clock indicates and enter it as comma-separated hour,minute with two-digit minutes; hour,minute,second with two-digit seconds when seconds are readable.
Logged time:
8,25
